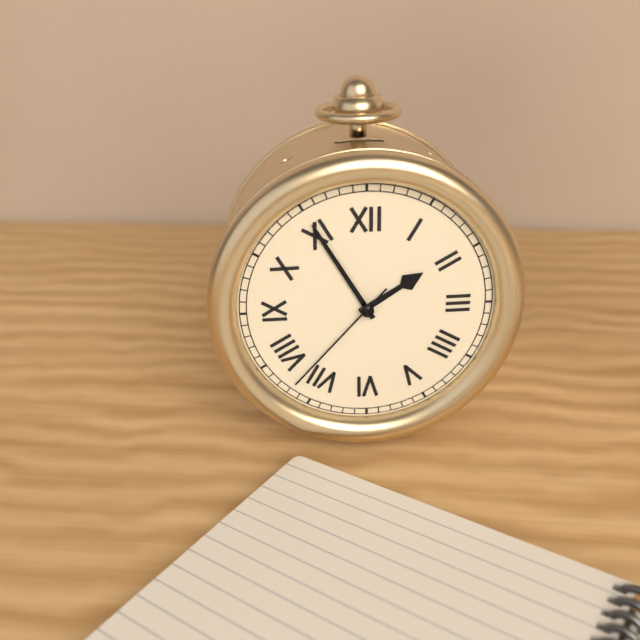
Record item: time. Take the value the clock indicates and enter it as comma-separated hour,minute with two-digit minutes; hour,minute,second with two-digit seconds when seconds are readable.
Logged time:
1,55,37
